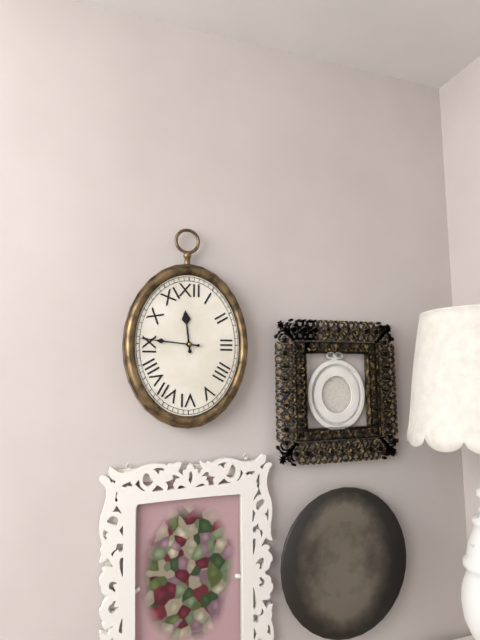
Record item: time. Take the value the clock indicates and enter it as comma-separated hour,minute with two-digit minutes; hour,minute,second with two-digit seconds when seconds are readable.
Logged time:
11,46
